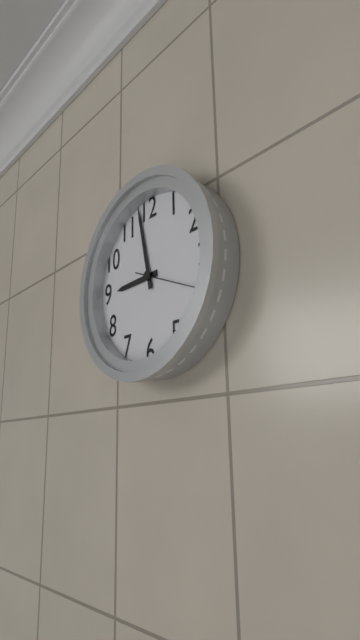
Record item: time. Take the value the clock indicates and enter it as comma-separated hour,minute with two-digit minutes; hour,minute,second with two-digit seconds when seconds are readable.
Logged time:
8,58,19
